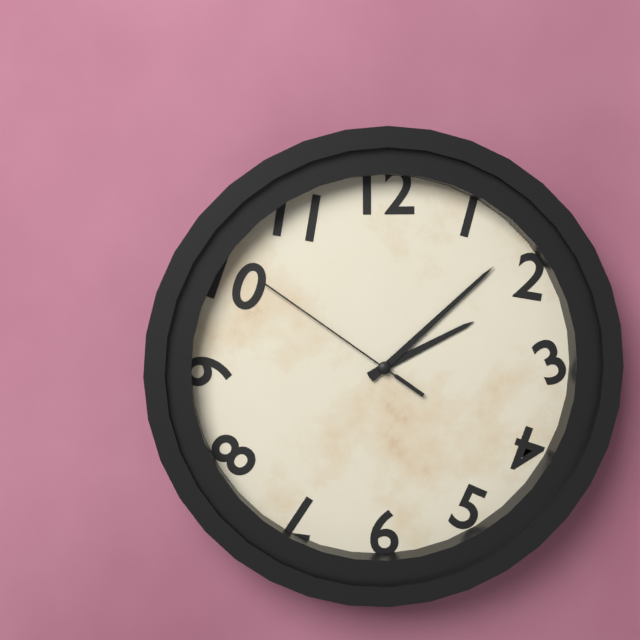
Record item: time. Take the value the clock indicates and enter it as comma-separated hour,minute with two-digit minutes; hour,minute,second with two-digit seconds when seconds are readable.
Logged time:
2,08,51
